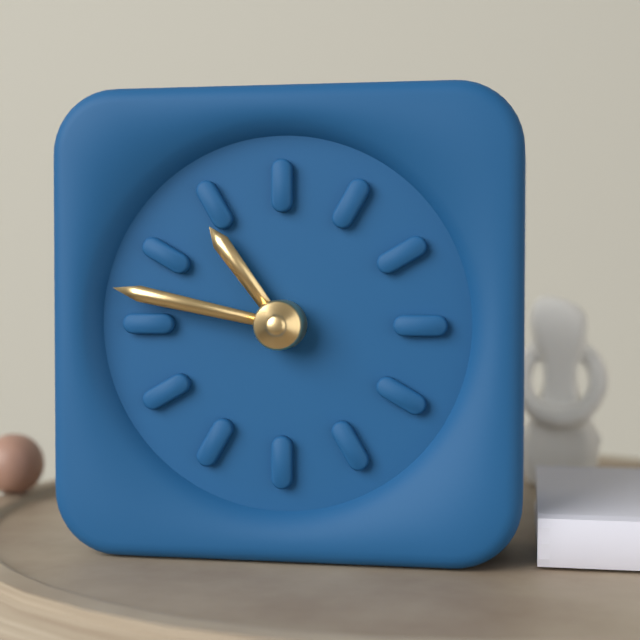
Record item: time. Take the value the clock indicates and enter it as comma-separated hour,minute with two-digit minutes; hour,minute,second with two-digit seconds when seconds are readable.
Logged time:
10,47
